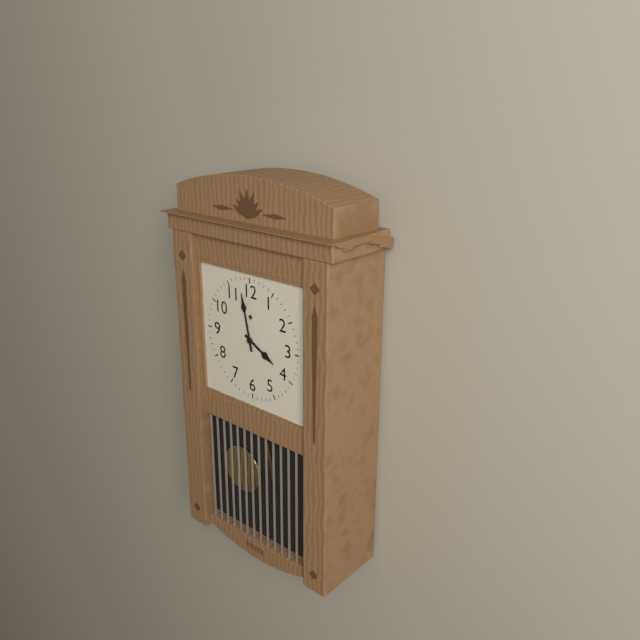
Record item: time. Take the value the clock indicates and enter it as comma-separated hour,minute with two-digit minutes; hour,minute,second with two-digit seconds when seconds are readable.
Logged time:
3,58
